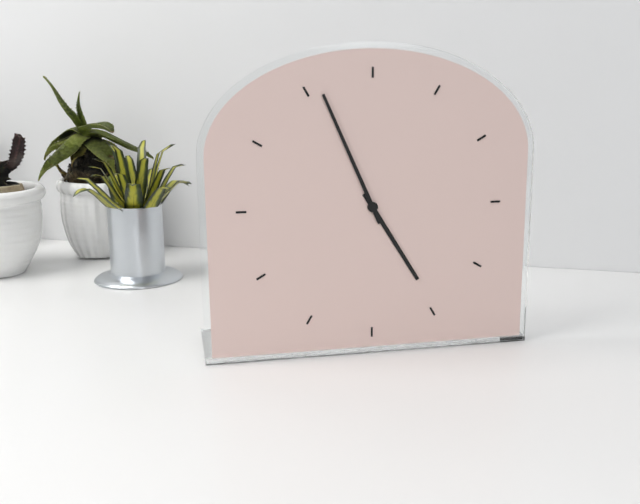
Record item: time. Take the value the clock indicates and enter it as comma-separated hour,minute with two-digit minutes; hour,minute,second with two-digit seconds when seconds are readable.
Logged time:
4,56
